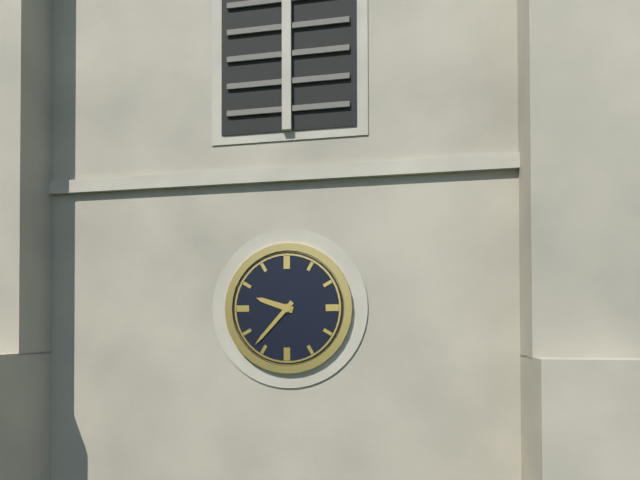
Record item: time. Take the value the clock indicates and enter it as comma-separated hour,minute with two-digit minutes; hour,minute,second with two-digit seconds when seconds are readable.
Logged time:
9,37
